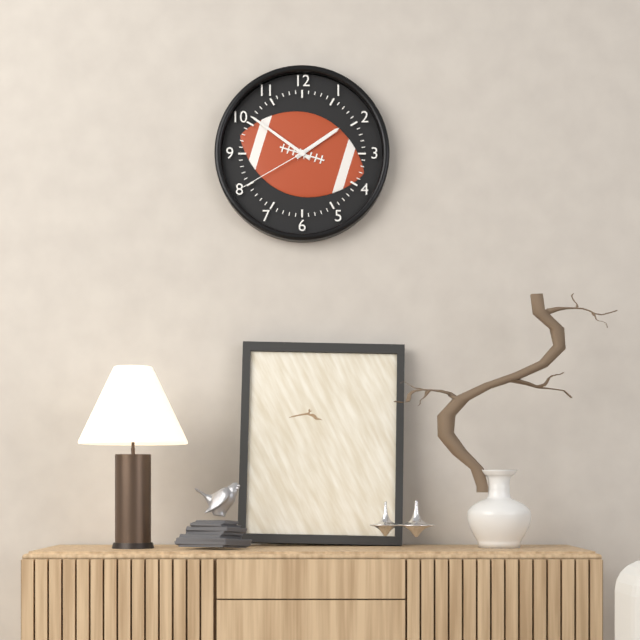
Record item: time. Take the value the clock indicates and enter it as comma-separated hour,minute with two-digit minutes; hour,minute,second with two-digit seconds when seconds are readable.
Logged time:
1,51,40
